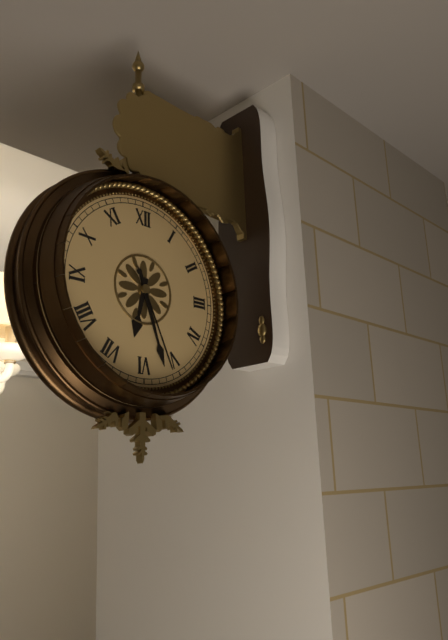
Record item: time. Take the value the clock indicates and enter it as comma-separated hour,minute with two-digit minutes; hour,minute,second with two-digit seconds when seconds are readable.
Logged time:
6,27,26
